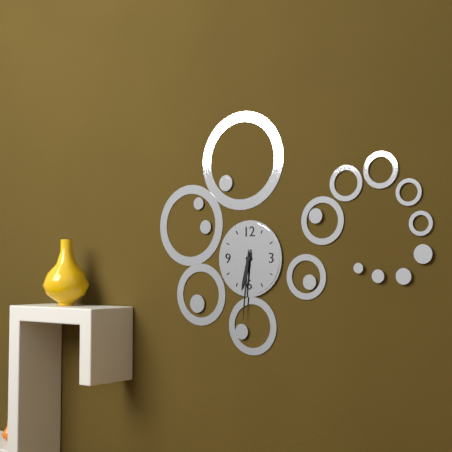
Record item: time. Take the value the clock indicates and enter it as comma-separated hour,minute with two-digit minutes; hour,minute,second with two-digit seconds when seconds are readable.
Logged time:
6,31
